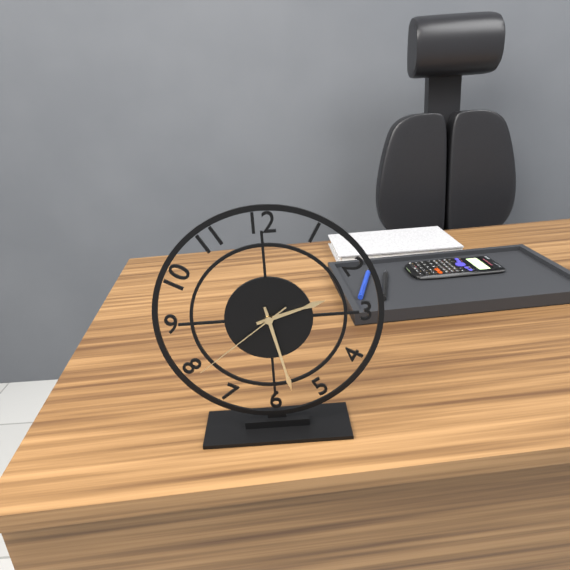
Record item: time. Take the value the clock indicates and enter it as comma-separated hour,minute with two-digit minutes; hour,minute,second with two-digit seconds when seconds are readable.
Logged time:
2,28,39
